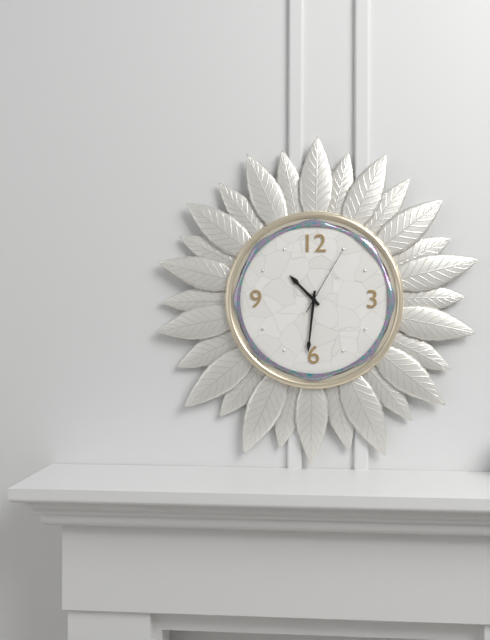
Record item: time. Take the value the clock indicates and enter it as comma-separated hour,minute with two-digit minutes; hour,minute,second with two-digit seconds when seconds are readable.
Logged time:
10,31,05
